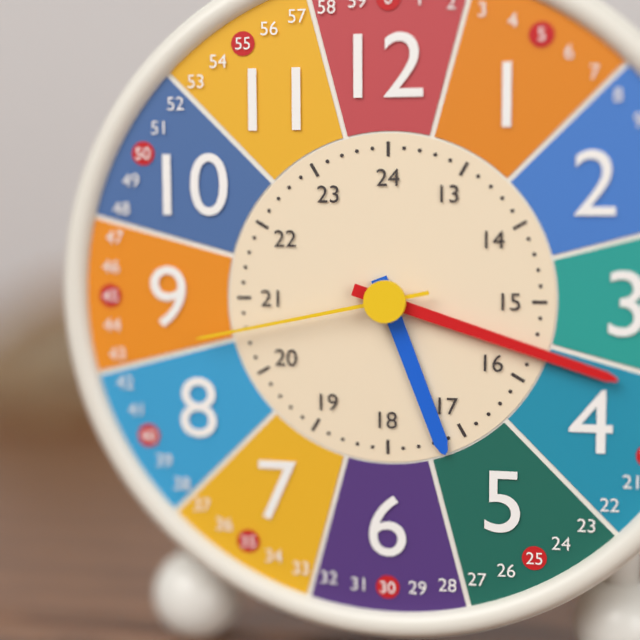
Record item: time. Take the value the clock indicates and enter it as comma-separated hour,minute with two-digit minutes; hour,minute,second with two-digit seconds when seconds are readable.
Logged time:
5,18,43
